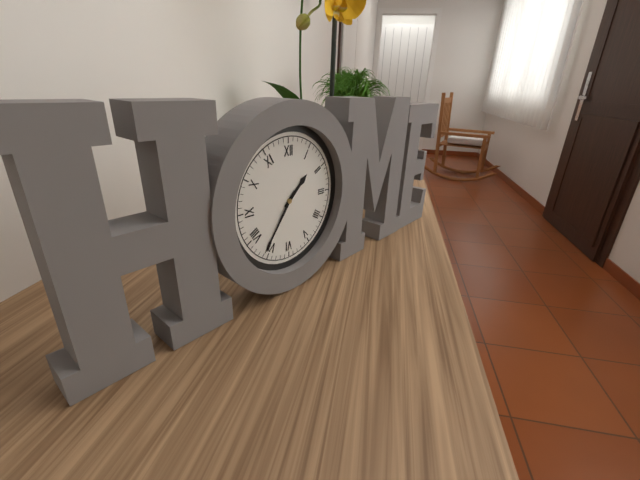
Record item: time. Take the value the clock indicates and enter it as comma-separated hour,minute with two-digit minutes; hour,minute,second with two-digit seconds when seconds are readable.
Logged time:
1,36
